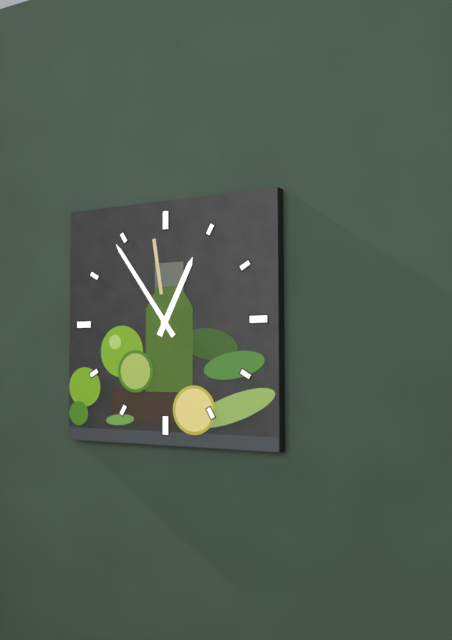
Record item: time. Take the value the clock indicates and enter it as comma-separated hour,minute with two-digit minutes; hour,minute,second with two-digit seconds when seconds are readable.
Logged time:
12,54
